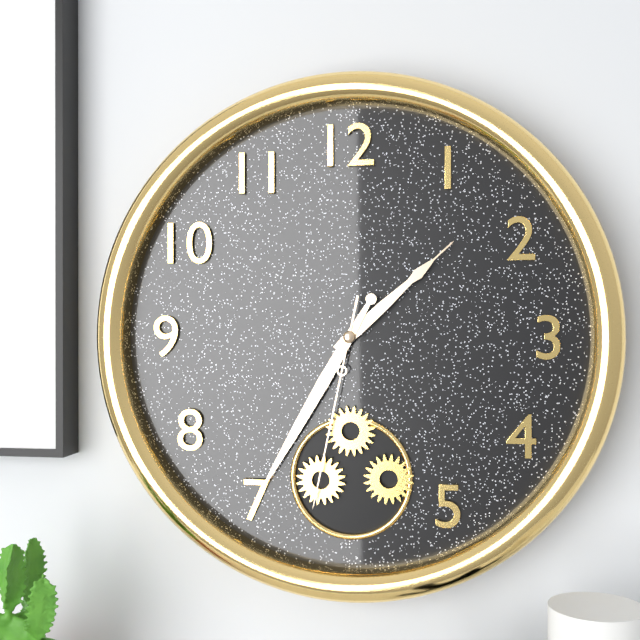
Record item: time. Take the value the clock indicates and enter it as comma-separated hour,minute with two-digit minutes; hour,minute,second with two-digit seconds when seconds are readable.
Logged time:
1,35,32
